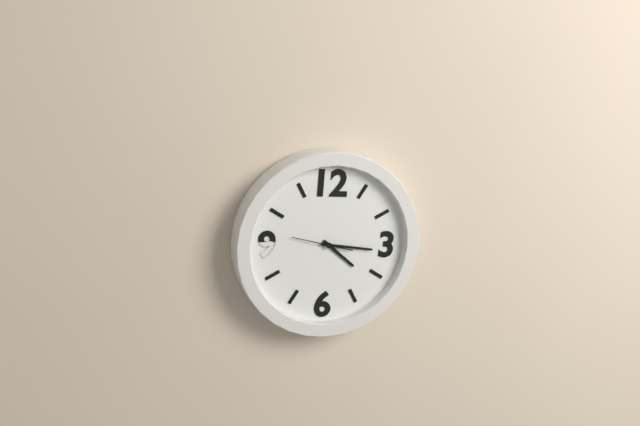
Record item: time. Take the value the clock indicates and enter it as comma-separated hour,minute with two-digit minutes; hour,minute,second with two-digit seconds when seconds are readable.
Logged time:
4,16
